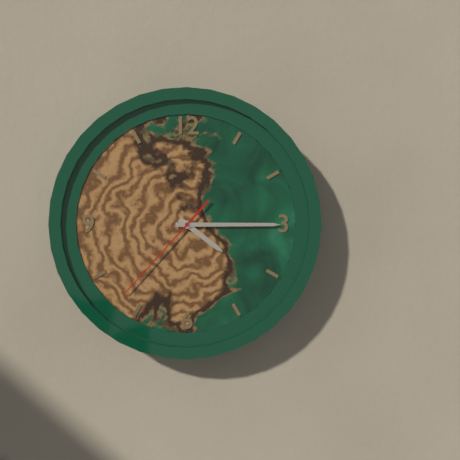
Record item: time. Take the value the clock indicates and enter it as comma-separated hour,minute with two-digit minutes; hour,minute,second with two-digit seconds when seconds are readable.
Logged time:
4,15,37
